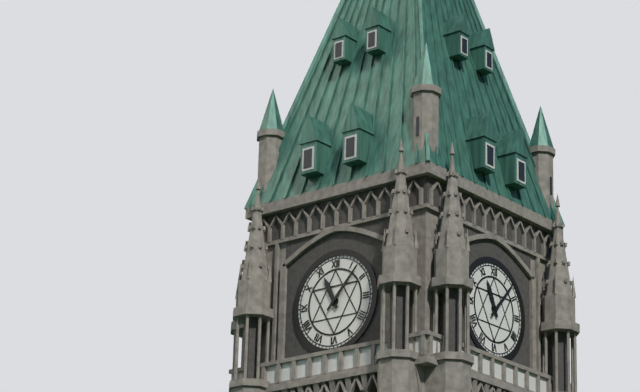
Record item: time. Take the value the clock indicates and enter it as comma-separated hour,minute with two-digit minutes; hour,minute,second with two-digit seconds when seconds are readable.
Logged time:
11,07
